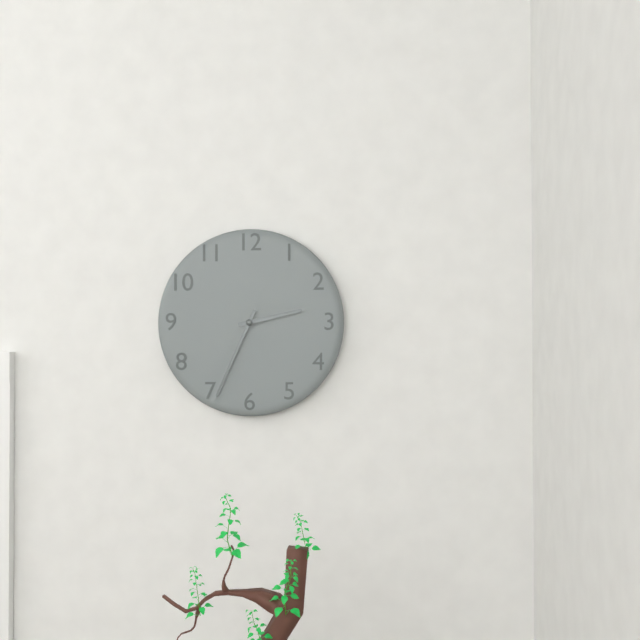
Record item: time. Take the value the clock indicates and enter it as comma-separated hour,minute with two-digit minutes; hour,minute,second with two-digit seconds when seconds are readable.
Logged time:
2,34
